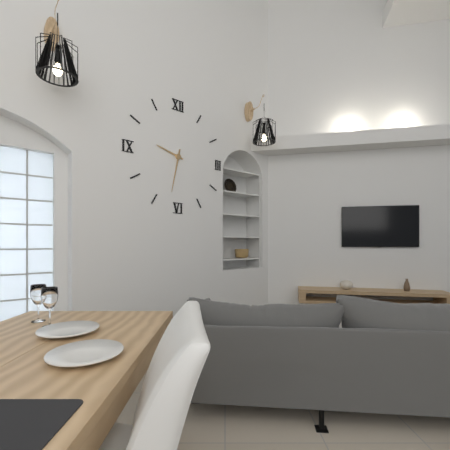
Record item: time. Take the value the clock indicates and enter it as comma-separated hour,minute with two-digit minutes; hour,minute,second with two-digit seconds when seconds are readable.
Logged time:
9,32
